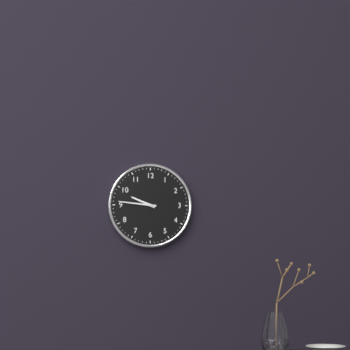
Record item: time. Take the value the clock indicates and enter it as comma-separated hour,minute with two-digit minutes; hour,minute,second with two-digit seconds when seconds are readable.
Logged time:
9,46
